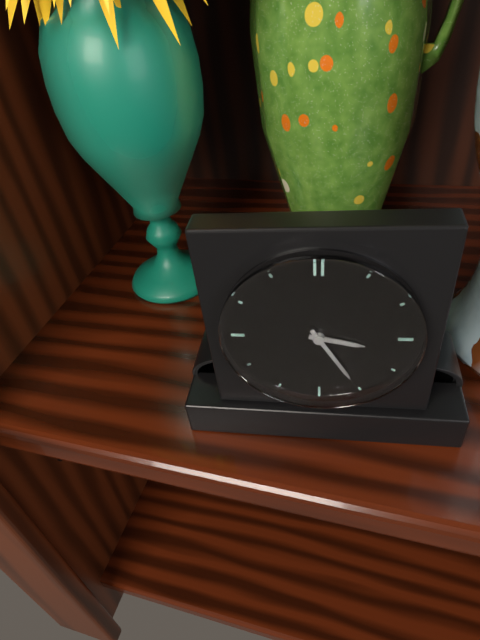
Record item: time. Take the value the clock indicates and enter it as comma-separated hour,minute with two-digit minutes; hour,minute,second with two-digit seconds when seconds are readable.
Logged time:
3,25
